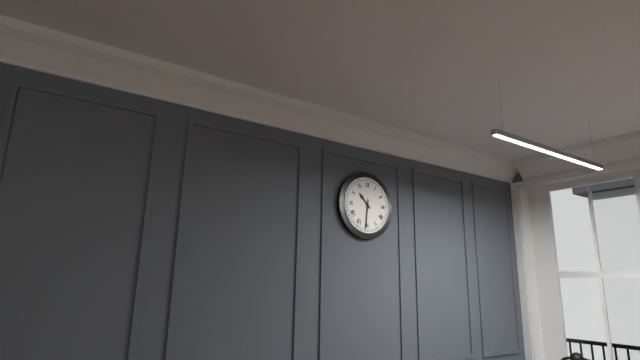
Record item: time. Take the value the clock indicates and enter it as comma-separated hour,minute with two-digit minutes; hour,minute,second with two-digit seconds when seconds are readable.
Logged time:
10,31
